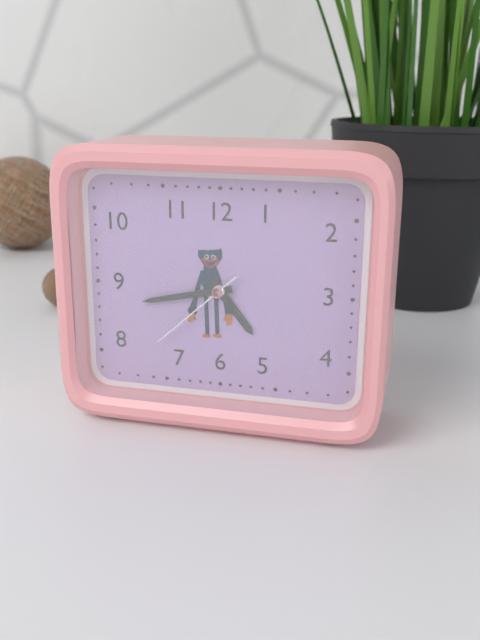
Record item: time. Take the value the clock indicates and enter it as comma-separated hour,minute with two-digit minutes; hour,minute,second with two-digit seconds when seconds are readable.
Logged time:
4,43,38
